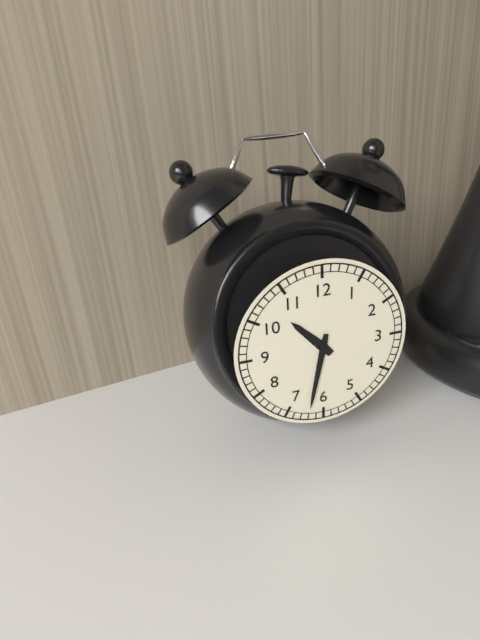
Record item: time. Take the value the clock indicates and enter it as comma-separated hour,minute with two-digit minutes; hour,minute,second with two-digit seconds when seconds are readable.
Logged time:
10,32
